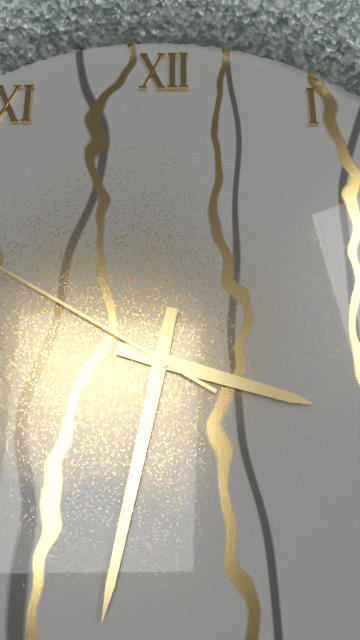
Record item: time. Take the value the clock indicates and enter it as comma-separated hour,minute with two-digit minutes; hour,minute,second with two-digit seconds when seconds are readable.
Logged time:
3,32
